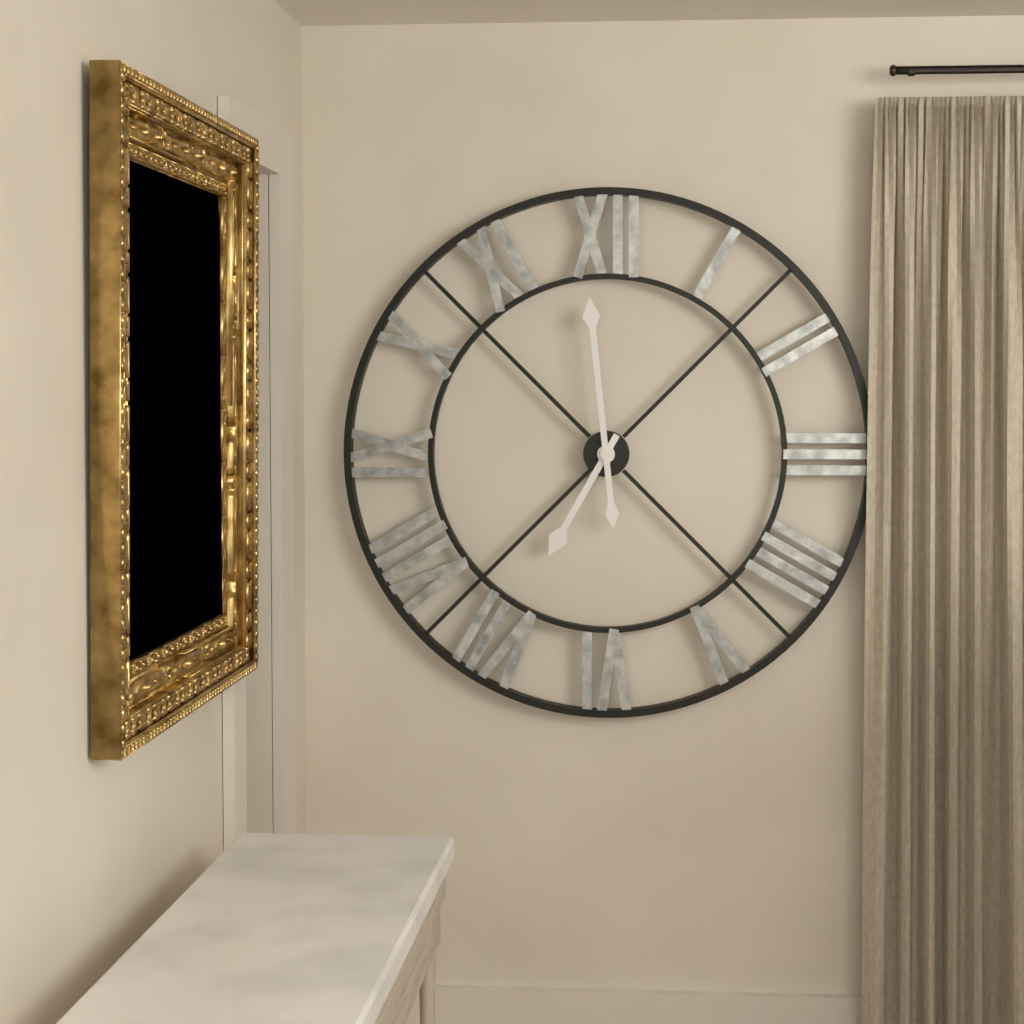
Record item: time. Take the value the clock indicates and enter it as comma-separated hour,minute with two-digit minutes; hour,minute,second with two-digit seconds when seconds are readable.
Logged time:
6,59
